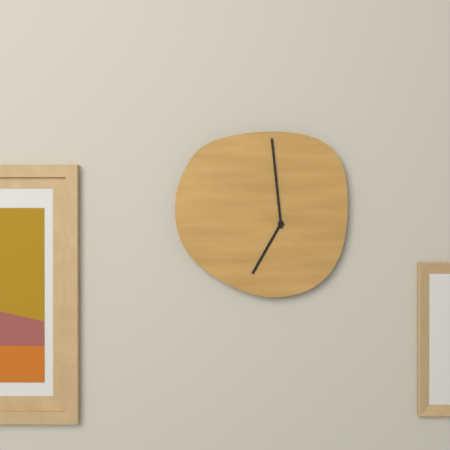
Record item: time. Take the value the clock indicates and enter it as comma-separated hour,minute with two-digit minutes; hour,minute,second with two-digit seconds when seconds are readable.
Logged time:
6,59
